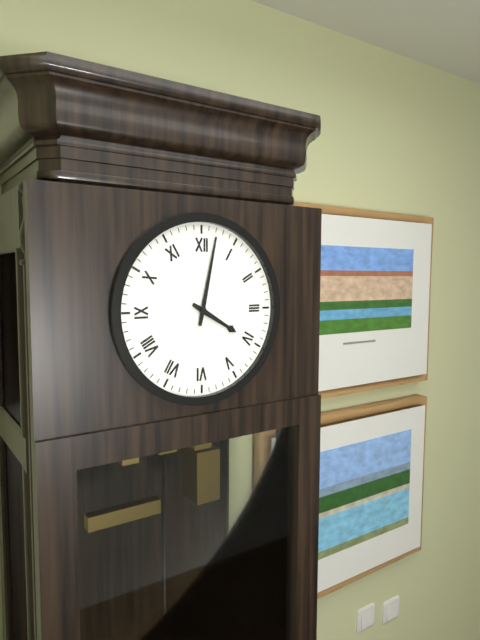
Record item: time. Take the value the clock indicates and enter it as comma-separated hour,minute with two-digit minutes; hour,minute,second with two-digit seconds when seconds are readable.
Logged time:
4,02
